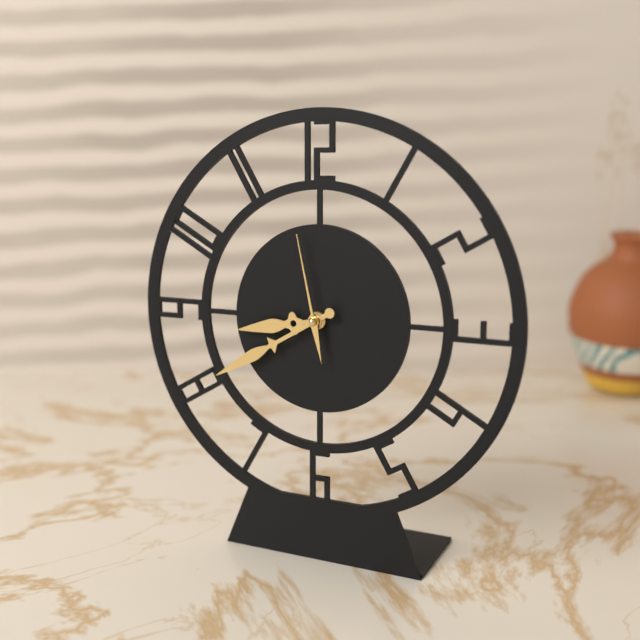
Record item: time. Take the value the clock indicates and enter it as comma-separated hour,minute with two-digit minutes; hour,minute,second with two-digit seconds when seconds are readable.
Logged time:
8,40,58
